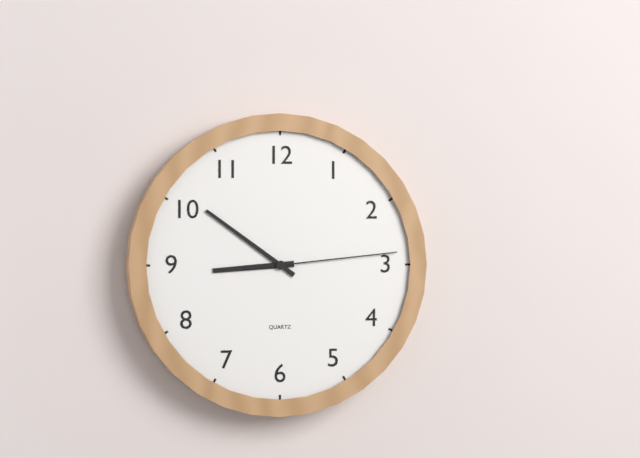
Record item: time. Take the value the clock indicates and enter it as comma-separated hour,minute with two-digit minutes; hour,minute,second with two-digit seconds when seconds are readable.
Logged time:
8,51,14
